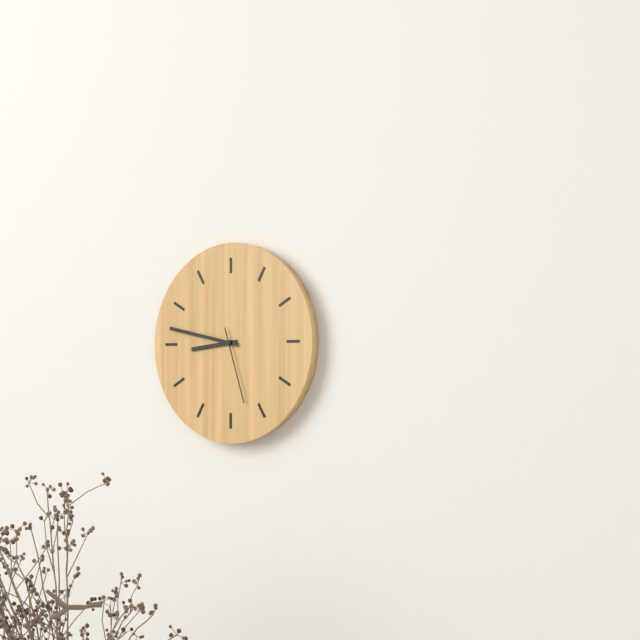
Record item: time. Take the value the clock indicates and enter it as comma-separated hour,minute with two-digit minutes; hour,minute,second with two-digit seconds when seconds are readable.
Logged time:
8,47,27
